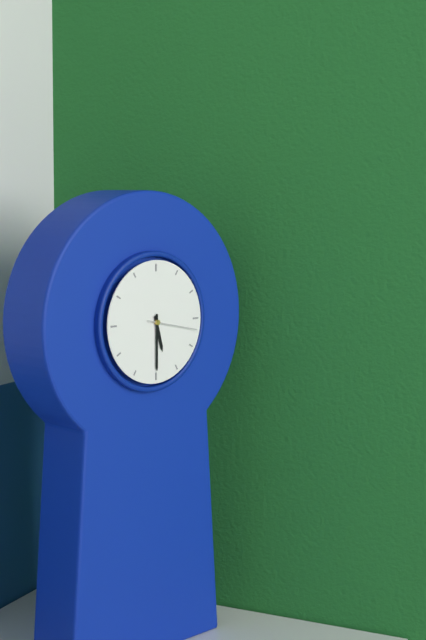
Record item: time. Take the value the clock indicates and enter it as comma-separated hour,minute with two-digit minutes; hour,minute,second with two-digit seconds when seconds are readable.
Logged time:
5,30,17
